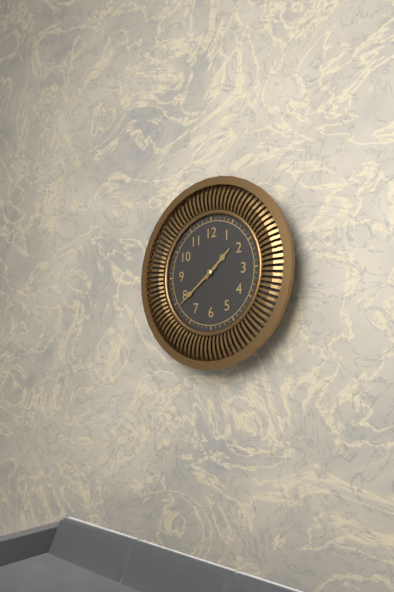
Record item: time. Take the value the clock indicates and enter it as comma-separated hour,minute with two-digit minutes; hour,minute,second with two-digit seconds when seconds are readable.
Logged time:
1,39
